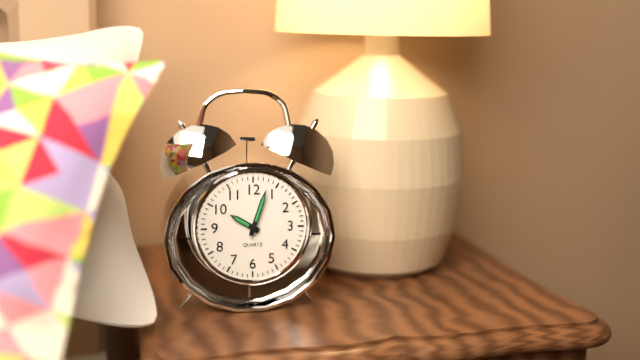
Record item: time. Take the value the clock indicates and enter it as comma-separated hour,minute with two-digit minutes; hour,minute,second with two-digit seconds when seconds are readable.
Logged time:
10,03
